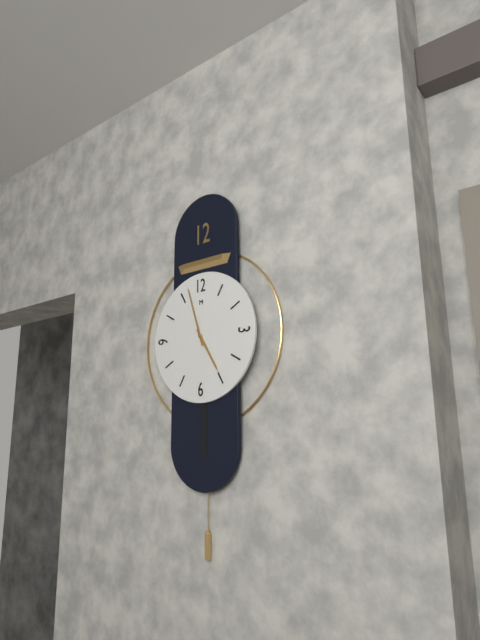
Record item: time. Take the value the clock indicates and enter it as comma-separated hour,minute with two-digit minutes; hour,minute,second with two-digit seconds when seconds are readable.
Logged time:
4,57
